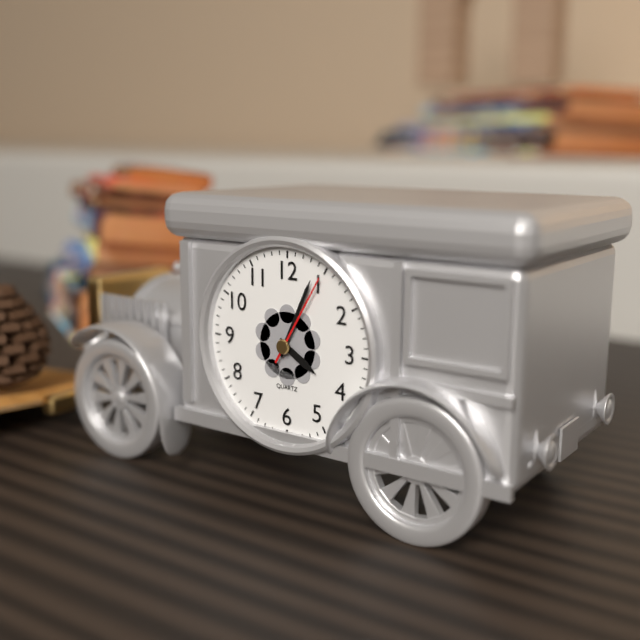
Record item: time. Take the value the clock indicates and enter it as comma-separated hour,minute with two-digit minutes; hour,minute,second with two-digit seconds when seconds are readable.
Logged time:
4,04,05
